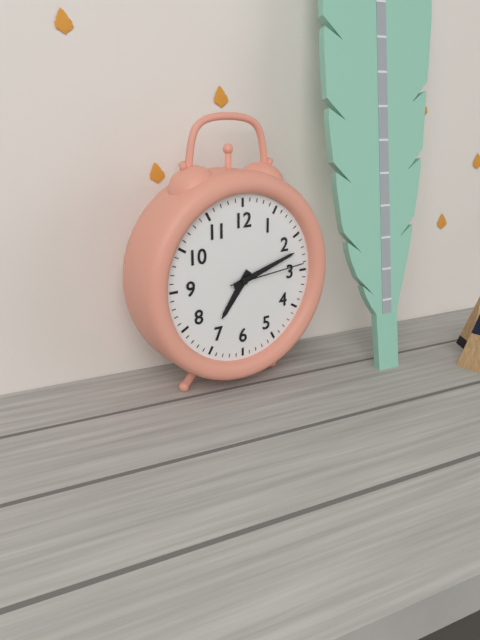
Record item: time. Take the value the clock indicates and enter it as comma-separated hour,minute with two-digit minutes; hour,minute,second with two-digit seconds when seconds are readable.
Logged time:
7,12,14
